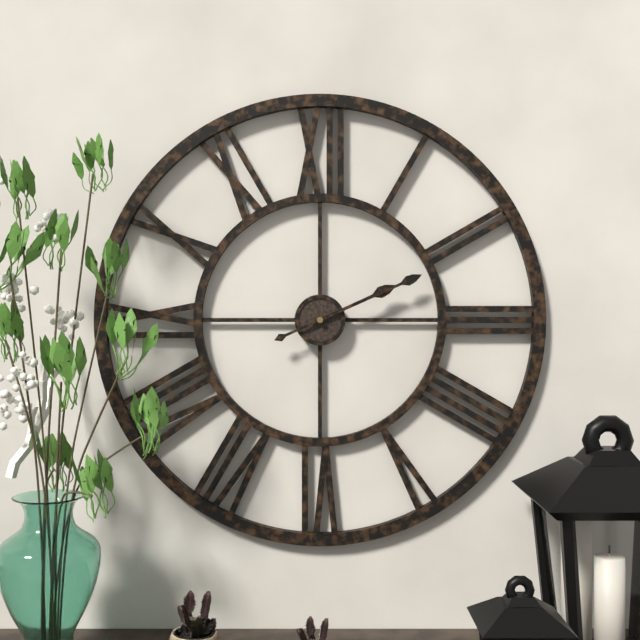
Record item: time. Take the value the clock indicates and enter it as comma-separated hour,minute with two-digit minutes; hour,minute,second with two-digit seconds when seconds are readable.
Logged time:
2,11
